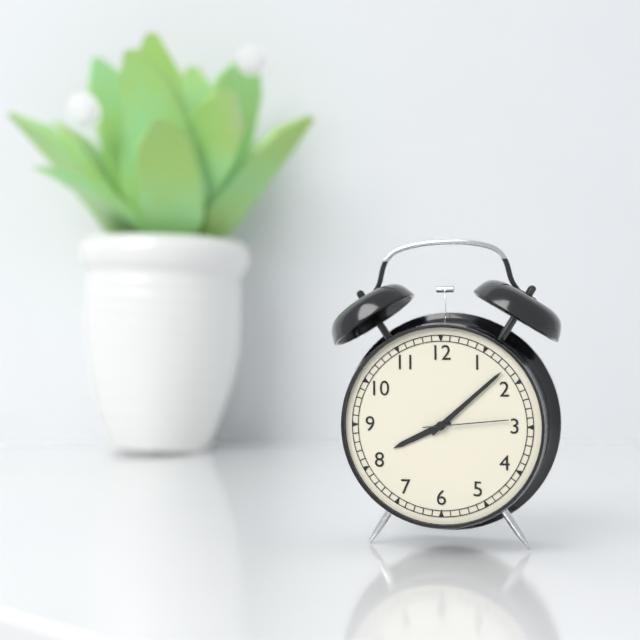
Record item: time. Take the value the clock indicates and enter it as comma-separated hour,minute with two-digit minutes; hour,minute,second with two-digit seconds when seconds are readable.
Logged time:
8,08,14
